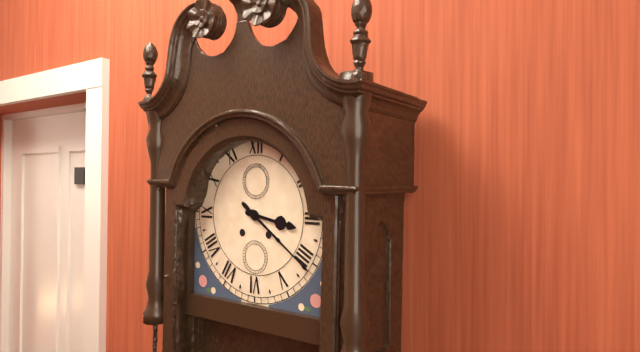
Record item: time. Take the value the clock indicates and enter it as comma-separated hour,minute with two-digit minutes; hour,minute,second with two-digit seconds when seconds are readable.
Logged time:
3,21
